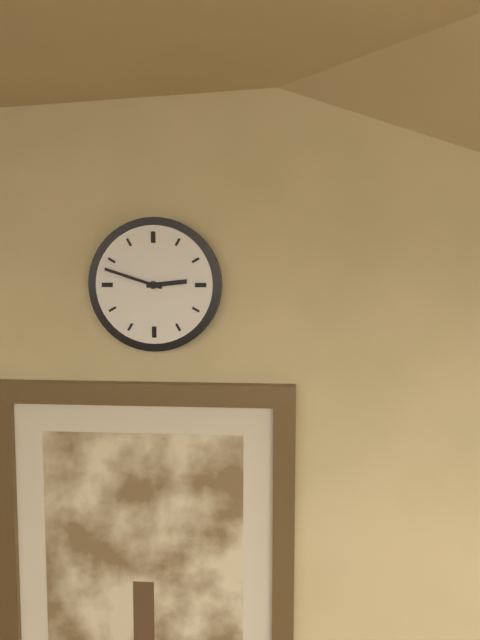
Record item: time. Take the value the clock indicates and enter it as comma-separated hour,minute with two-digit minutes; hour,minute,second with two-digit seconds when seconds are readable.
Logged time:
2,48
